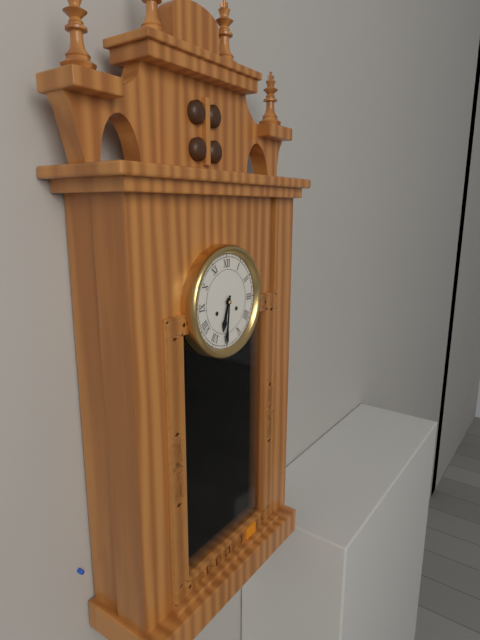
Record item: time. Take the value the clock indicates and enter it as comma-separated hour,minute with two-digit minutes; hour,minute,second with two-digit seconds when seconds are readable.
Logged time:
6,31
